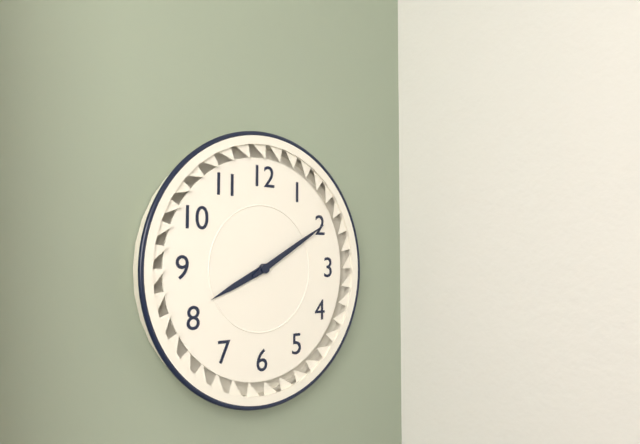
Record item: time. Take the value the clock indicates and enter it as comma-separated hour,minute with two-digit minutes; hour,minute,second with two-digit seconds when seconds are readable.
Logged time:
8,10
